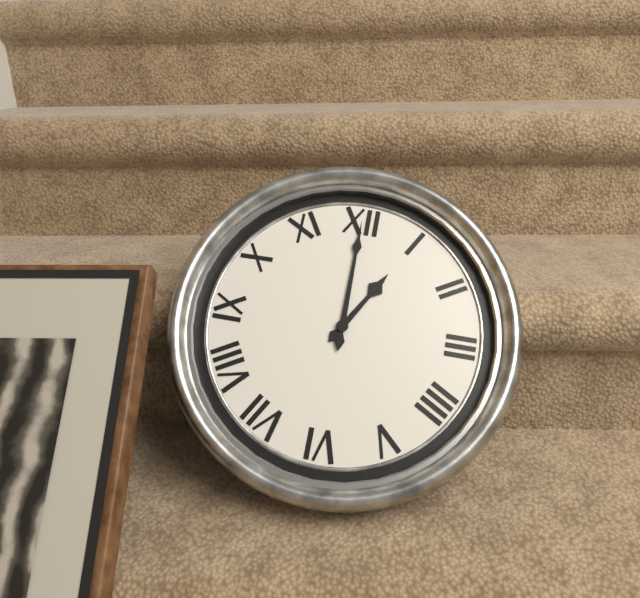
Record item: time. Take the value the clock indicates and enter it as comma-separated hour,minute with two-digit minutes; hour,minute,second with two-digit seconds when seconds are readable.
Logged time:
1,00
